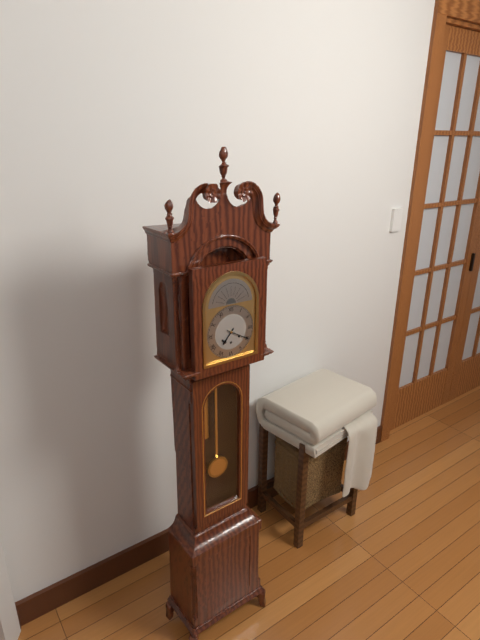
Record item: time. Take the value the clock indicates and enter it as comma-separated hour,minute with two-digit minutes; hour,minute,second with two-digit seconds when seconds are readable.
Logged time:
7,20
